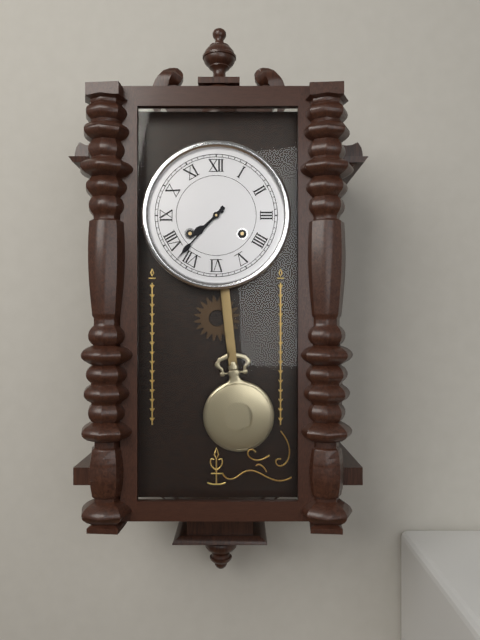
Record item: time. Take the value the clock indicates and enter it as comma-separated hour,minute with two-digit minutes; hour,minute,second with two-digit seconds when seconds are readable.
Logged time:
7,37
